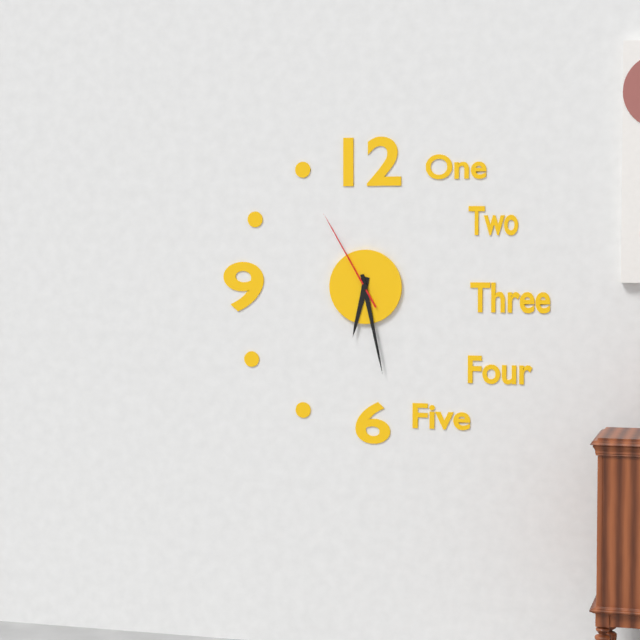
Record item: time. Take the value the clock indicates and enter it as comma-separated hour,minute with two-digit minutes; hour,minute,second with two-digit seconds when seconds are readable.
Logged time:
6,28,55
